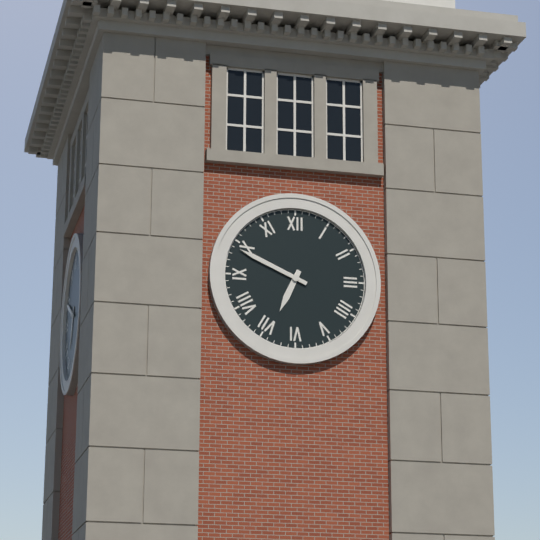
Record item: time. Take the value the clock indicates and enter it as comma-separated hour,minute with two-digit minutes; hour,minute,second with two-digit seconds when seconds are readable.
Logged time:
6,49
